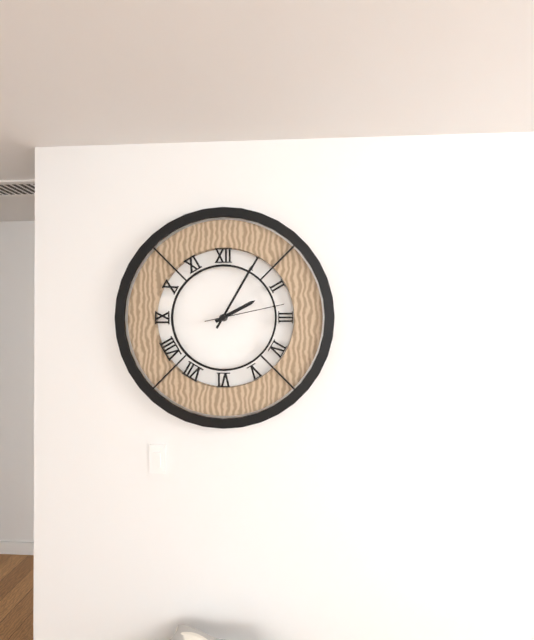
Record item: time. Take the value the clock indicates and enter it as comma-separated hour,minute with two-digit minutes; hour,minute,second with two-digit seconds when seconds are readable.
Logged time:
2,05,13
